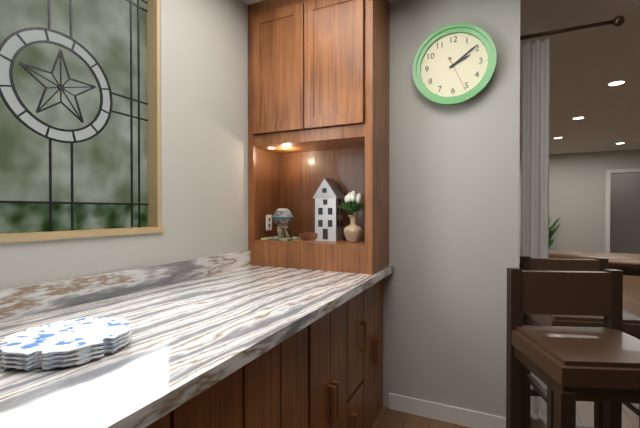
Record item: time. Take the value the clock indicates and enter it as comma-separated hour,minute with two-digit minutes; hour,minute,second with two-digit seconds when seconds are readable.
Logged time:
2,09
